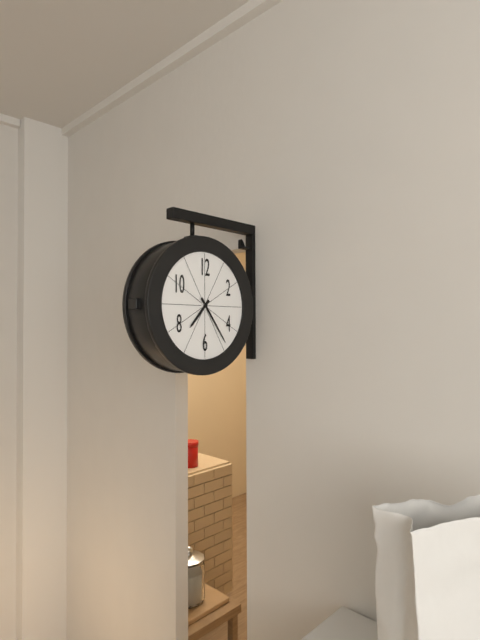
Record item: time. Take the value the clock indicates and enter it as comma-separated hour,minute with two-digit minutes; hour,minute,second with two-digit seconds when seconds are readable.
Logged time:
7,24
